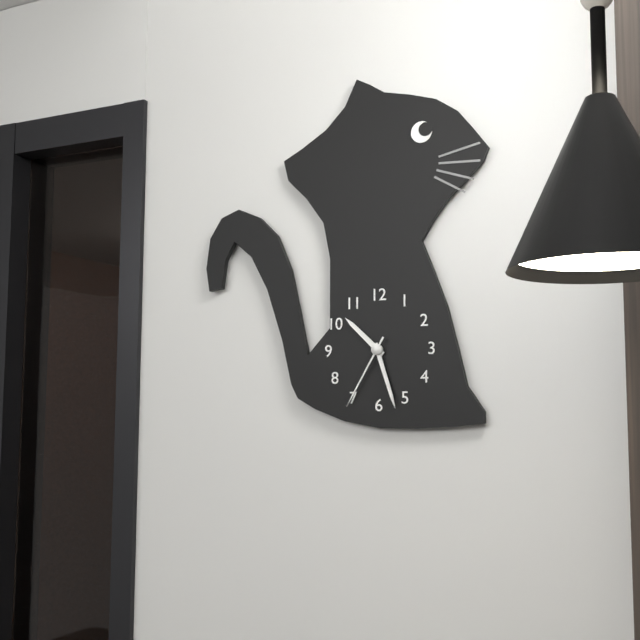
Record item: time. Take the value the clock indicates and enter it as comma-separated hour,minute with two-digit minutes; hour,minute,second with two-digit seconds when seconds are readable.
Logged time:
10,27,35
